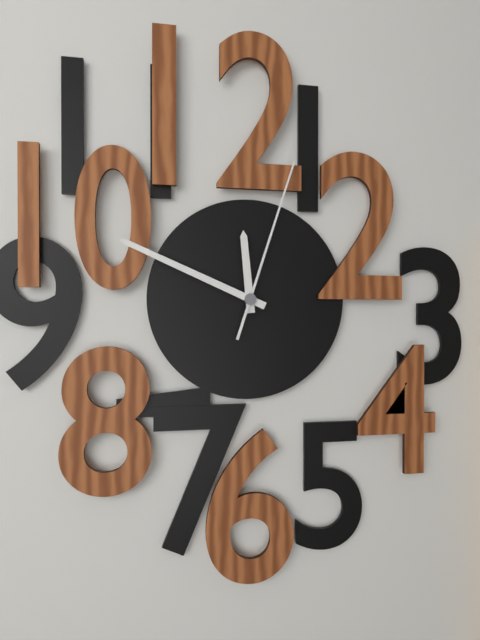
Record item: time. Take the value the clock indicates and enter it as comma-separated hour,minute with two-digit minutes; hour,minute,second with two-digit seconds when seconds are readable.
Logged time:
11,49,03
